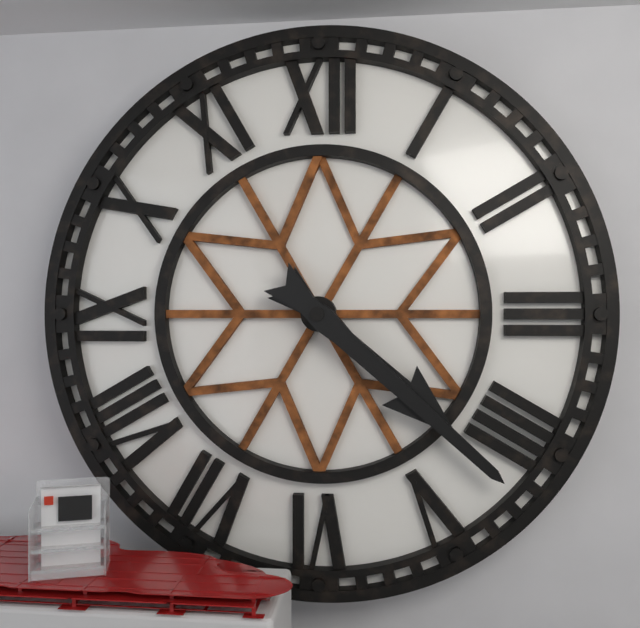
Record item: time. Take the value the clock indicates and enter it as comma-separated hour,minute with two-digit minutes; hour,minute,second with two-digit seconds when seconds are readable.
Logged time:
4,22
